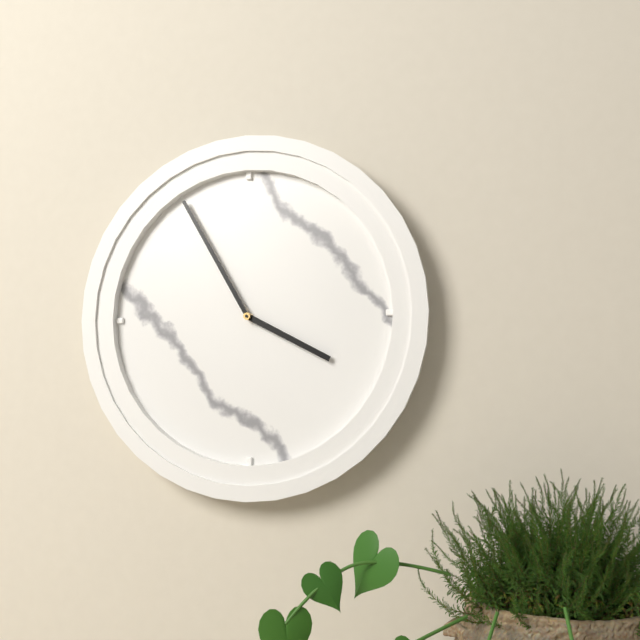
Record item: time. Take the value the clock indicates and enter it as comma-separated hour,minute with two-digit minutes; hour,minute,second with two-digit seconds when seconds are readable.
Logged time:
3,55
